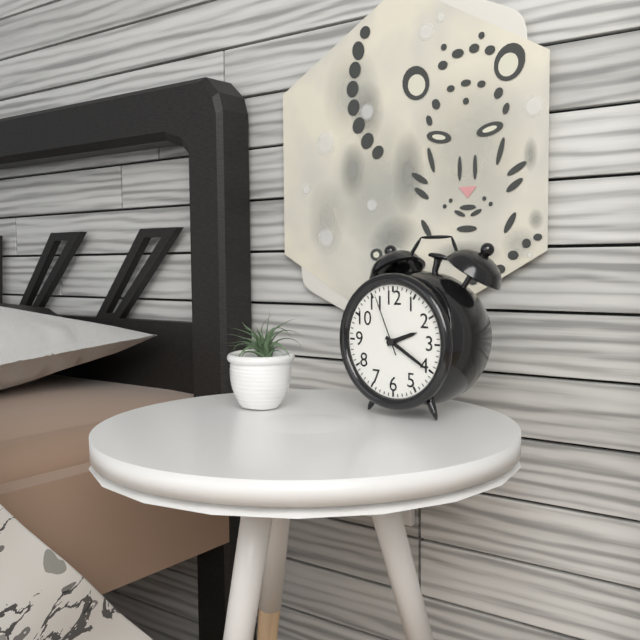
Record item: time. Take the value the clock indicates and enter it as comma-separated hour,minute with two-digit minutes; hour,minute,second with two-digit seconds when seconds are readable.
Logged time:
2,20,56
